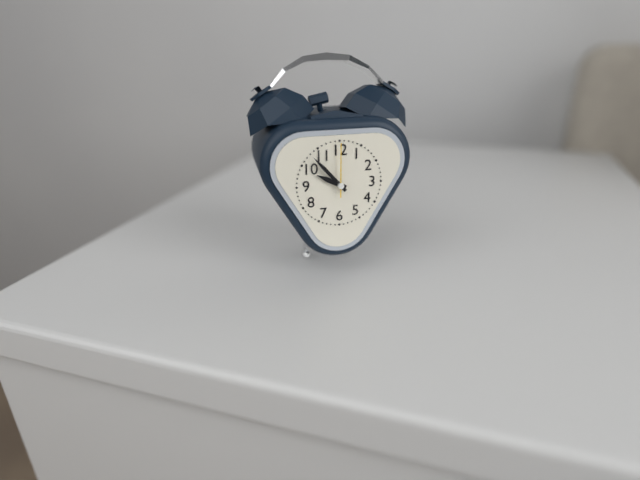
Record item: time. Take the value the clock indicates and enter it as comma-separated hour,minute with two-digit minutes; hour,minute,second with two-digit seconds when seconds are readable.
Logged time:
9,53,00
